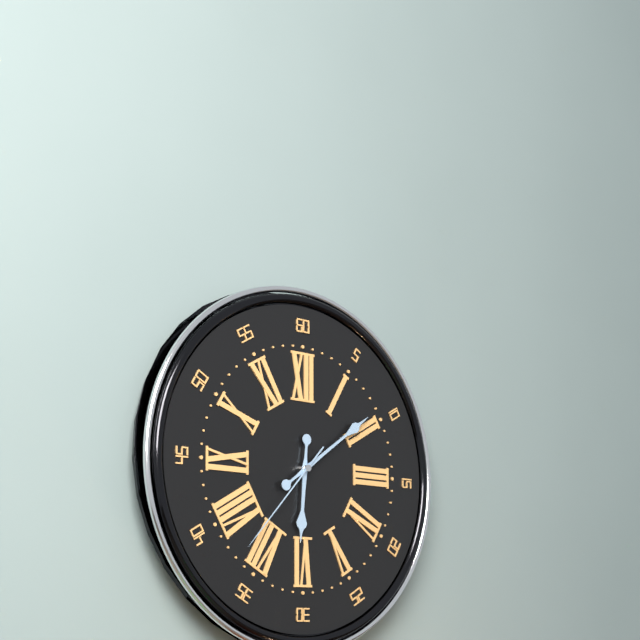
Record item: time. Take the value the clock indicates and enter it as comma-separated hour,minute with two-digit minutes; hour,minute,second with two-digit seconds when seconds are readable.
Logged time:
6,09,37
